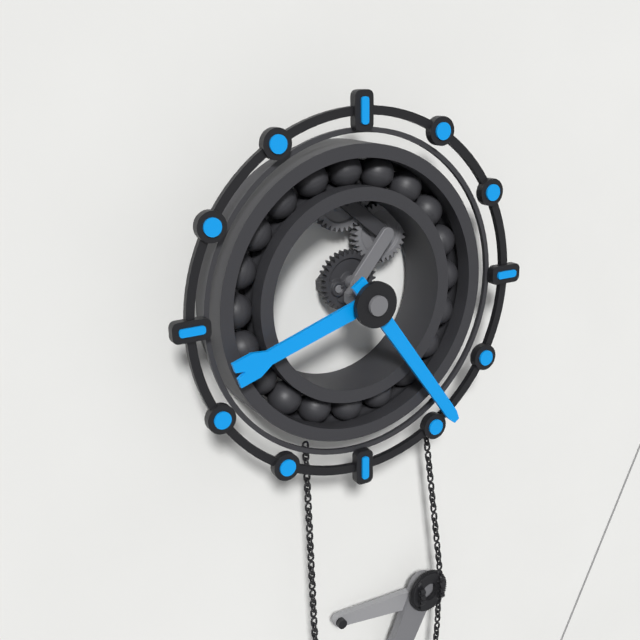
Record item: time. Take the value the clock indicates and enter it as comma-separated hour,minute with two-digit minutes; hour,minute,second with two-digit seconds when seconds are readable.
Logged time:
8,24
